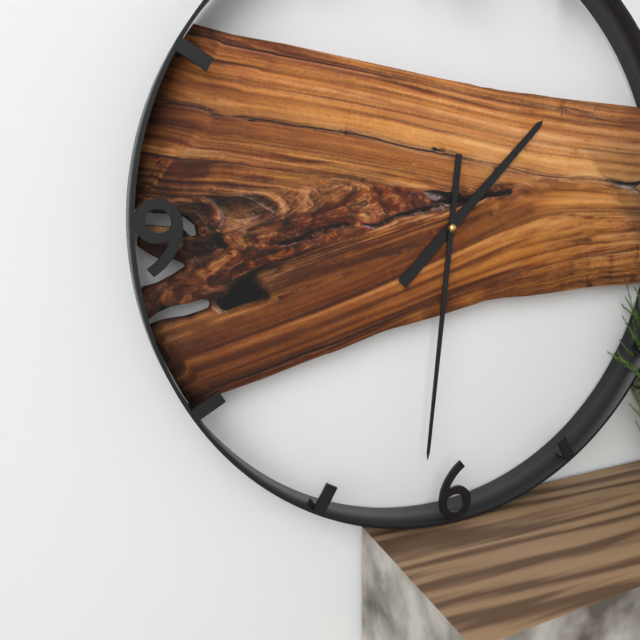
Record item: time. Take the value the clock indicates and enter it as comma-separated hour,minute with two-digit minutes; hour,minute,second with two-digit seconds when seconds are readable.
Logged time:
1,31
